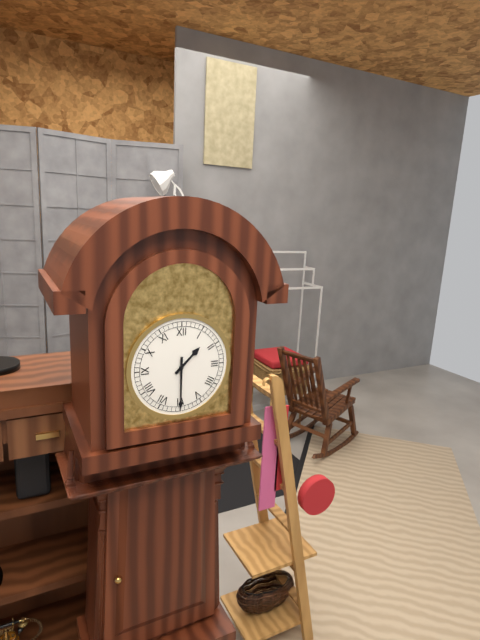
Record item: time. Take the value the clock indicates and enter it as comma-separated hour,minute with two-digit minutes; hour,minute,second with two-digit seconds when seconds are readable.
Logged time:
1,30
